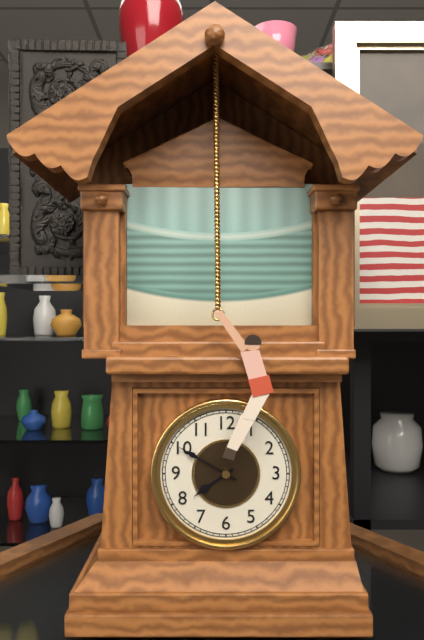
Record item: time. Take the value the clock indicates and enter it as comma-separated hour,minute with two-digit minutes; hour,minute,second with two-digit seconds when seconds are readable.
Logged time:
7,50
